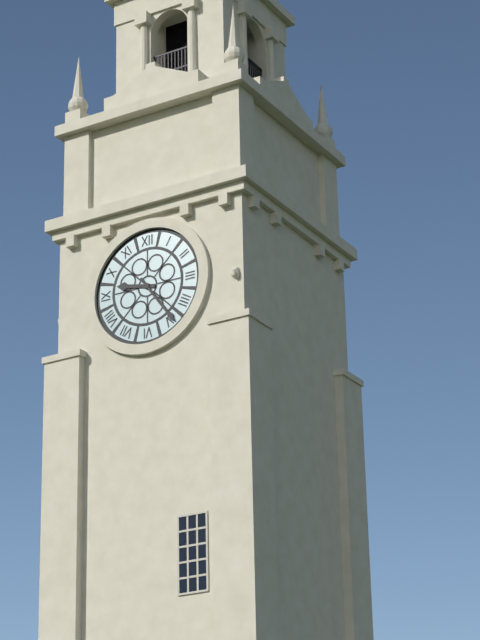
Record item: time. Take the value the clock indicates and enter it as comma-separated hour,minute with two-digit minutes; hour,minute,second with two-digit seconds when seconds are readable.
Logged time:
9,24
